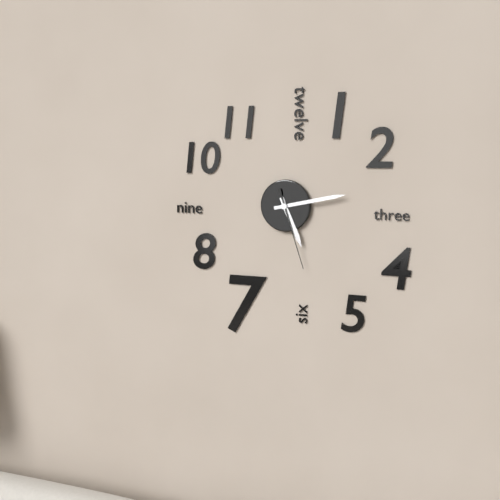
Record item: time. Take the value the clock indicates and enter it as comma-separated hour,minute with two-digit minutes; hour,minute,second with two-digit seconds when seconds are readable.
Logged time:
5,13,27
